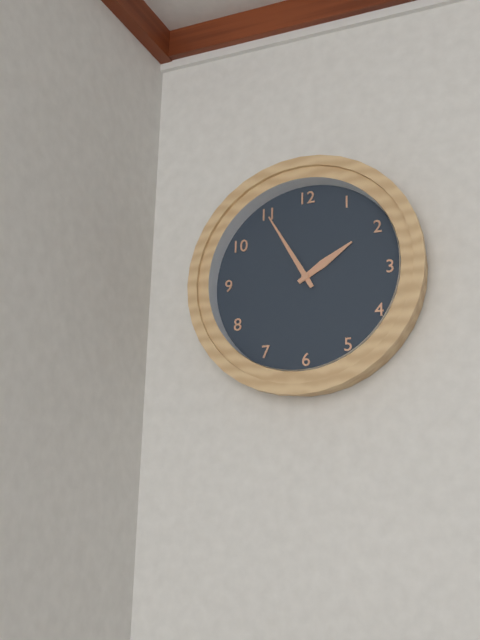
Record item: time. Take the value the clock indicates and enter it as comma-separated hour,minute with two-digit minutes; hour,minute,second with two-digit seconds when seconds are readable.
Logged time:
1,55
